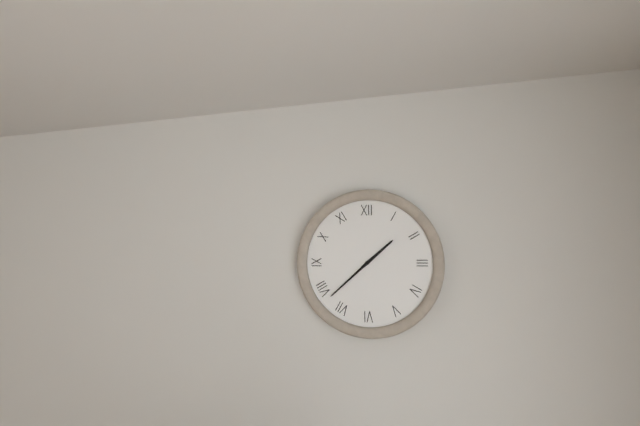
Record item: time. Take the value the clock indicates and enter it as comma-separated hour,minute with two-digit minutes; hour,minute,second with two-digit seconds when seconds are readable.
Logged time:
1,38
